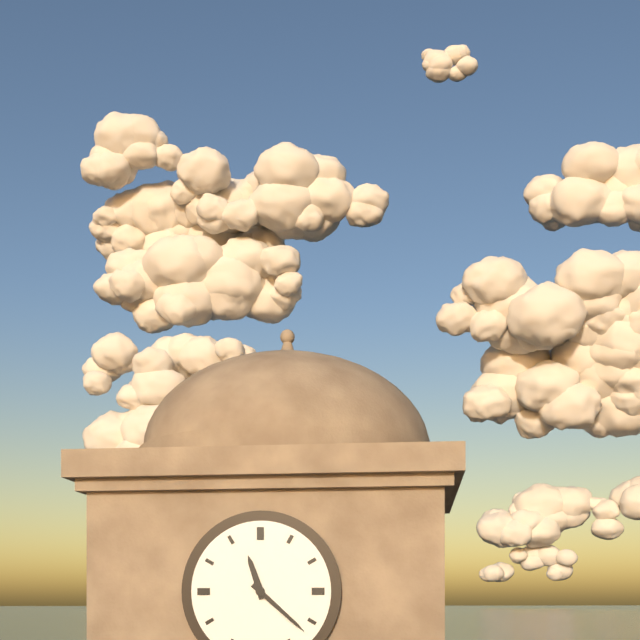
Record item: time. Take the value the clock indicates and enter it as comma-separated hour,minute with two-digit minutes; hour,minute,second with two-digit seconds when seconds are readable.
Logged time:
11,22
